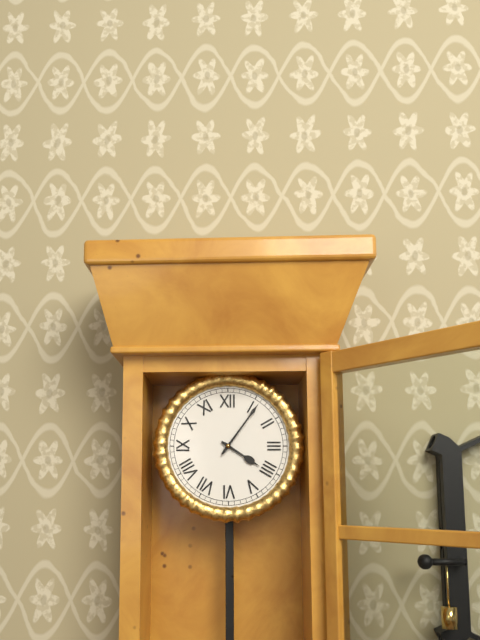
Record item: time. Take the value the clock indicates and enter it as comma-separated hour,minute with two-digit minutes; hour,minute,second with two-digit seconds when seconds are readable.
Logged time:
4,06
